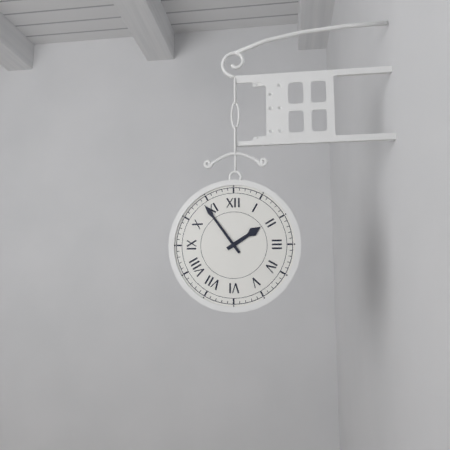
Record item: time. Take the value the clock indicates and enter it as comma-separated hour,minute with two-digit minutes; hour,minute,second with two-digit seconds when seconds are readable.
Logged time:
1,54
